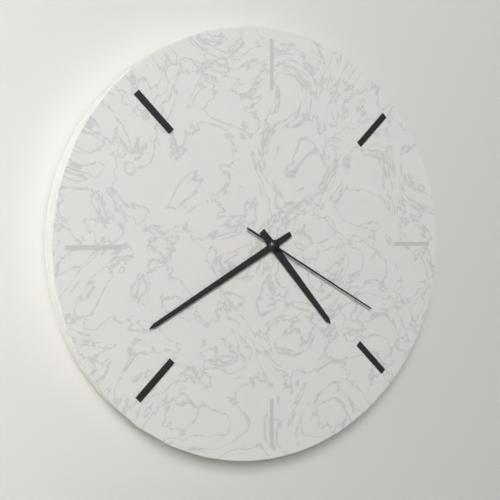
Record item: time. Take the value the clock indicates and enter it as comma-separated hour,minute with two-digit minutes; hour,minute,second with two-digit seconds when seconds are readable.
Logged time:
4,40,20
